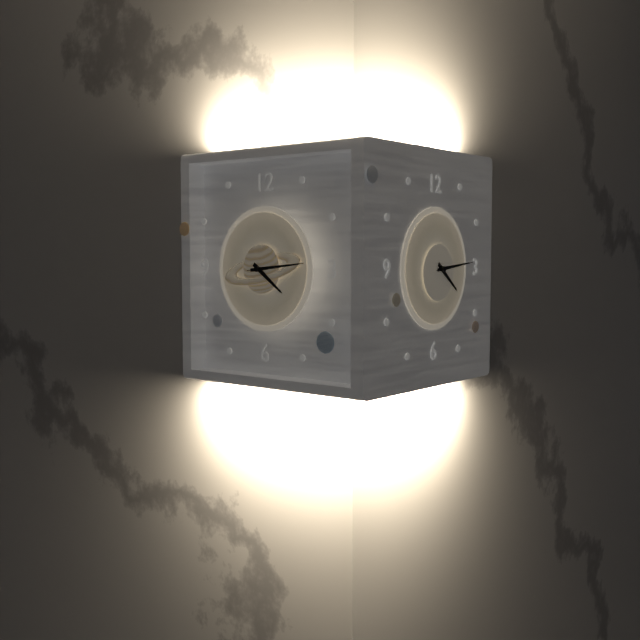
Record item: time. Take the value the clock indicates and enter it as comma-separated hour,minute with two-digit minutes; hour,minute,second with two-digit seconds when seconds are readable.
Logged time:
4,14,14
